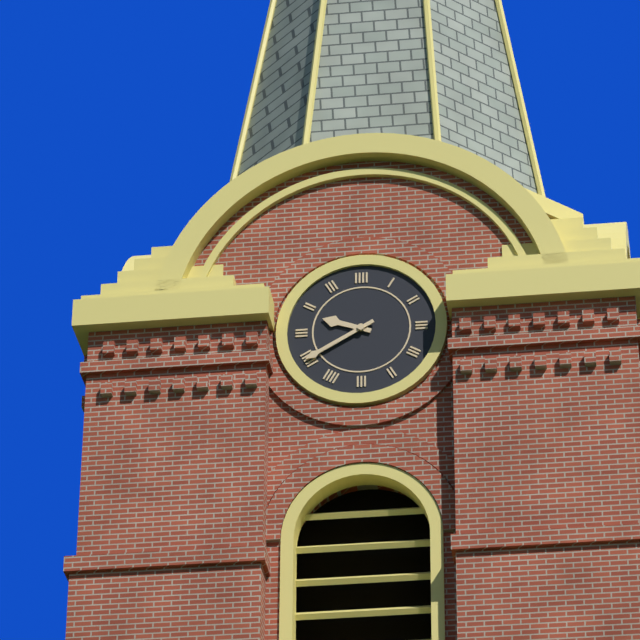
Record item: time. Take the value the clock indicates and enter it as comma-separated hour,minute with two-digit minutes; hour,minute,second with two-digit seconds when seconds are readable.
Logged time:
9,40
